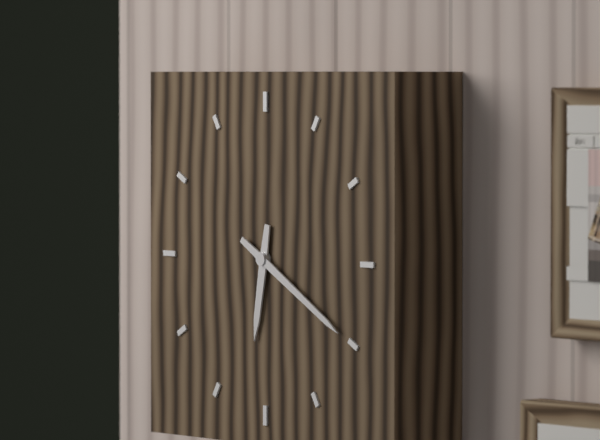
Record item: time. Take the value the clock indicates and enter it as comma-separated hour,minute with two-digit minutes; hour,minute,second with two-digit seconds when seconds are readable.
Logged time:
6,20
